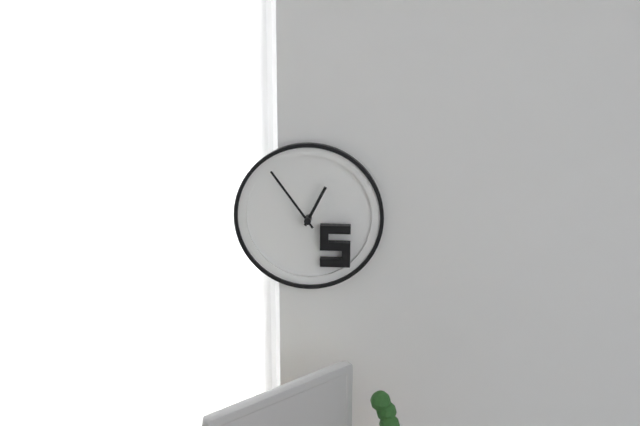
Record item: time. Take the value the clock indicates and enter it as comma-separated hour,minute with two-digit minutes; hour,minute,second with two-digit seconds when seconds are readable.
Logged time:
12,54
